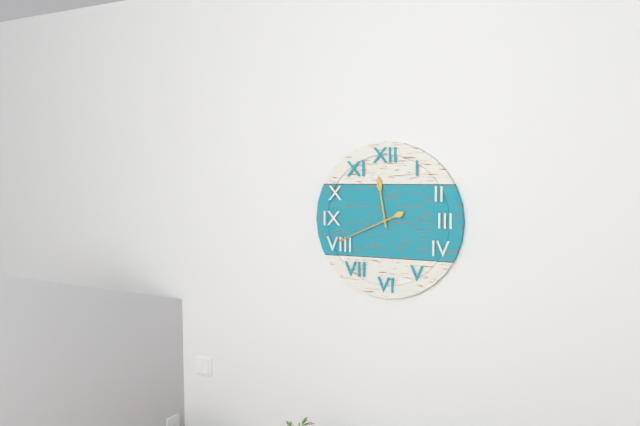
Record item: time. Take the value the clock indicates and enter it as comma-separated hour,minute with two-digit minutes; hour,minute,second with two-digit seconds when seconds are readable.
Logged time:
11,41
